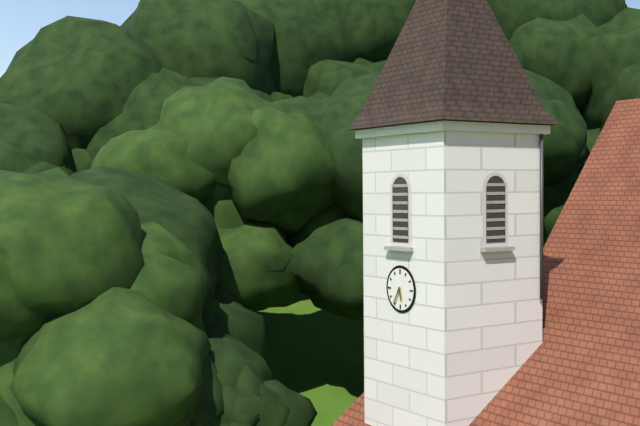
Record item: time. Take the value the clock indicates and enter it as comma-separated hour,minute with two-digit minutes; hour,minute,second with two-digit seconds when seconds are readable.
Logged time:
5,35
